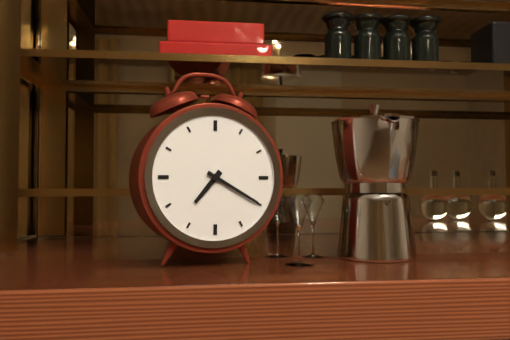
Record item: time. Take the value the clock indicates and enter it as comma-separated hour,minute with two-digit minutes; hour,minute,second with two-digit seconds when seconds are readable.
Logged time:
7,20
